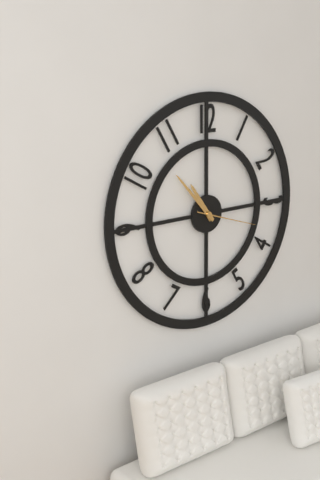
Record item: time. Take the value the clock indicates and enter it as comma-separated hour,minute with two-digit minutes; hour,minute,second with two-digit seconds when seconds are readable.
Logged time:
10,53,18
